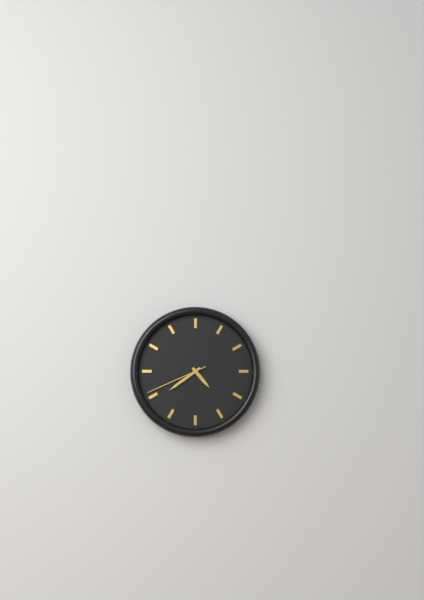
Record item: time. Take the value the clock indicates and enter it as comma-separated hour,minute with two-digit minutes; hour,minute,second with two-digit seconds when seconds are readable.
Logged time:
4,39,41
